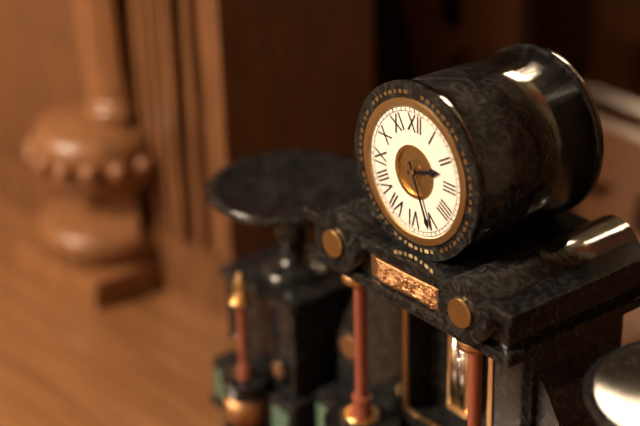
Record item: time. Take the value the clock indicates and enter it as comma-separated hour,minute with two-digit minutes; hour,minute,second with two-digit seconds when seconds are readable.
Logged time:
2,26
